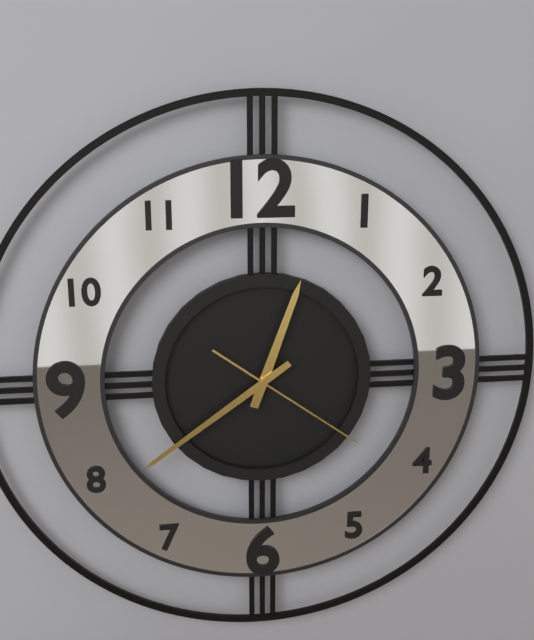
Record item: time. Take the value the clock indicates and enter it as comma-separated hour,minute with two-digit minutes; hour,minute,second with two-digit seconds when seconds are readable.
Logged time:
12,39,21
